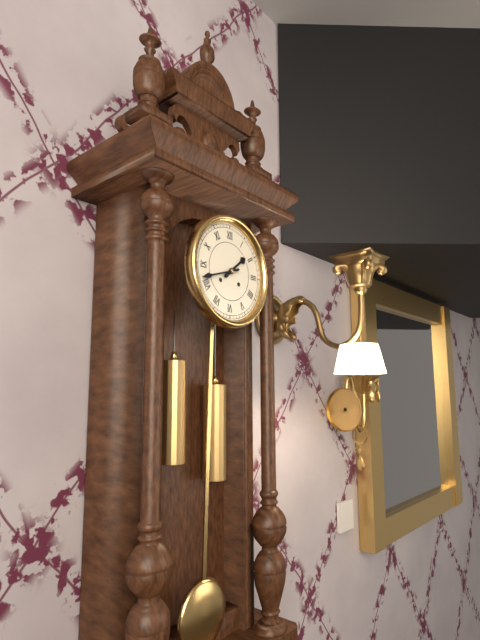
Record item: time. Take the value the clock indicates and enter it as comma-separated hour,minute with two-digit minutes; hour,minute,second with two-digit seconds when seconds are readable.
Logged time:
1,42
